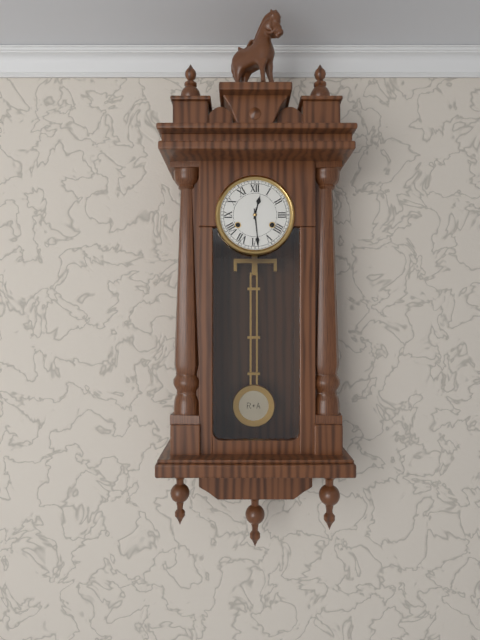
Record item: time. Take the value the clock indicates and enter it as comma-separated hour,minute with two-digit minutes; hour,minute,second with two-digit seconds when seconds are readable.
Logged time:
12,29
